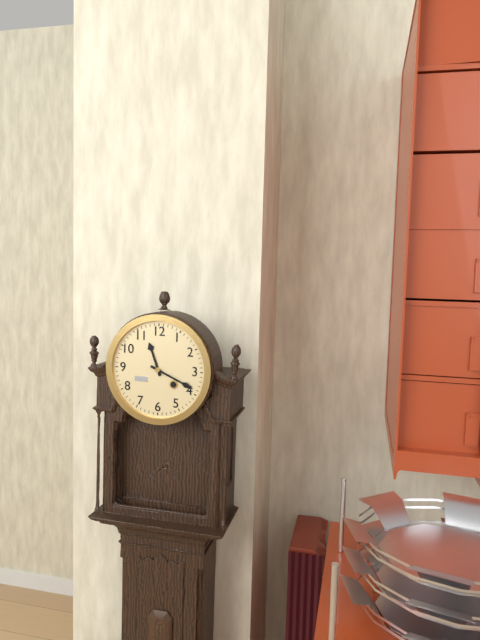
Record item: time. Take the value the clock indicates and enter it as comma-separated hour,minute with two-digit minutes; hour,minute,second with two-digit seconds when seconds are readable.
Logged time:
11,19
